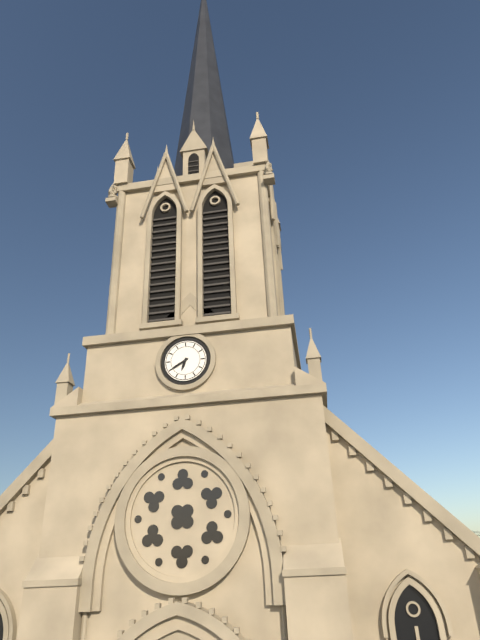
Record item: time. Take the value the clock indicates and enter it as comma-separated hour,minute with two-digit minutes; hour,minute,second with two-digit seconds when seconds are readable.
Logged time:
6,40
